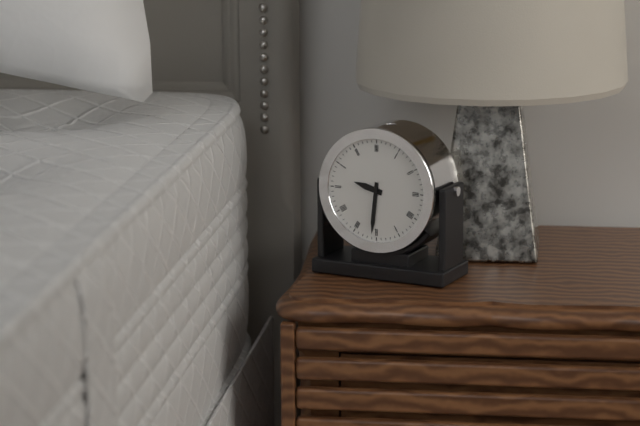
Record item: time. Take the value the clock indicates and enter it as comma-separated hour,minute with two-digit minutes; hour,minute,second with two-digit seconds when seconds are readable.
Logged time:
9,31
